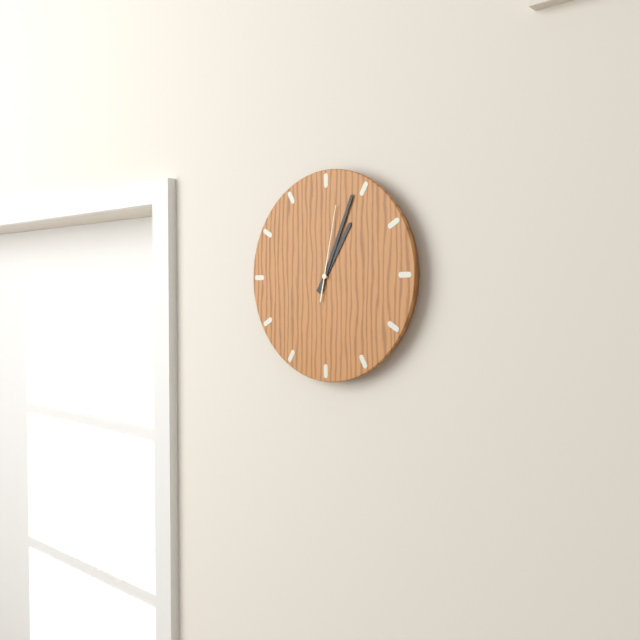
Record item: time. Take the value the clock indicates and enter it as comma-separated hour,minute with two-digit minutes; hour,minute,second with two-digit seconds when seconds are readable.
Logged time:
1,04,02
